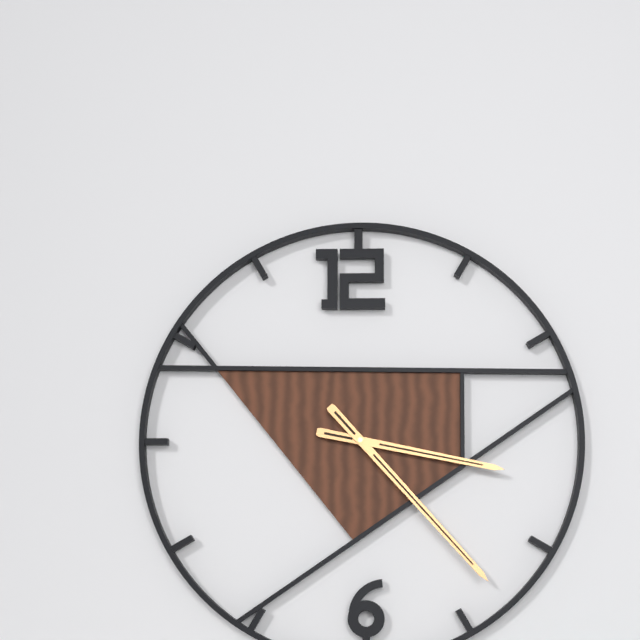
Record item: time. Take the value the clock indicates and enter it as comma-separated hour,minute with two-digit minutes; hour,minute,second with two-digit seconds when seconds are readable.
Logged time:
3,23
